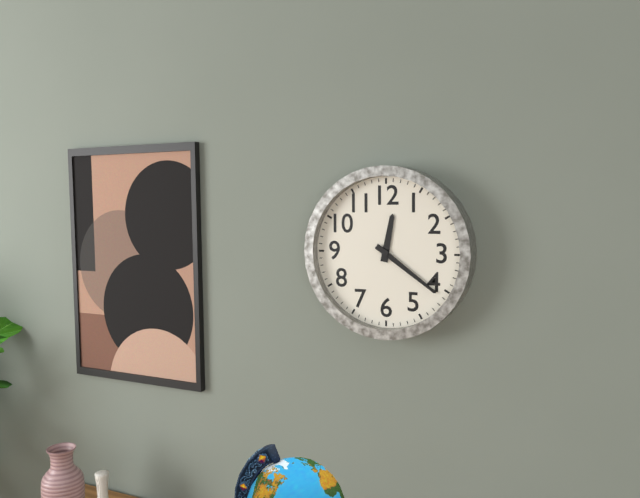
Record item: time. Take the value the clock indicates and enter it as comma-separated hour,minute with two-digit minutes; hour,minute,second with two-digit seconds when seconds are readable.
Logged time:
12,21
